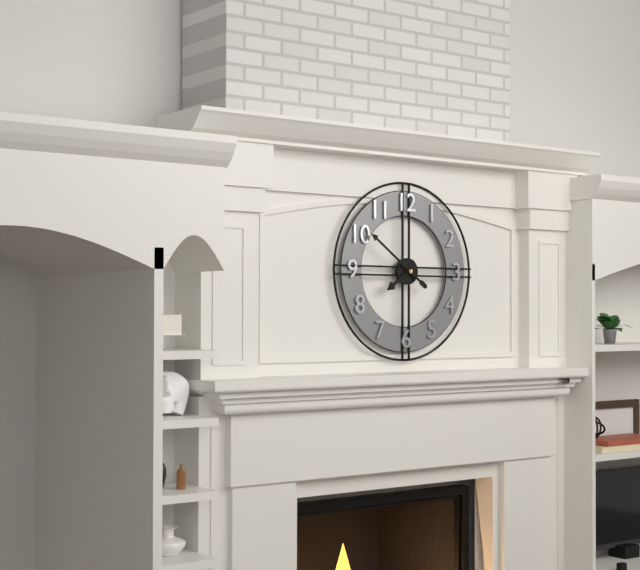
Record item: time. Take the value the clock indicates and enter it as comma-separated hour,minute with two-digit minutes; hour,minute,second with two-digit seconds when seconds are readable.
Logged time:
7,51
